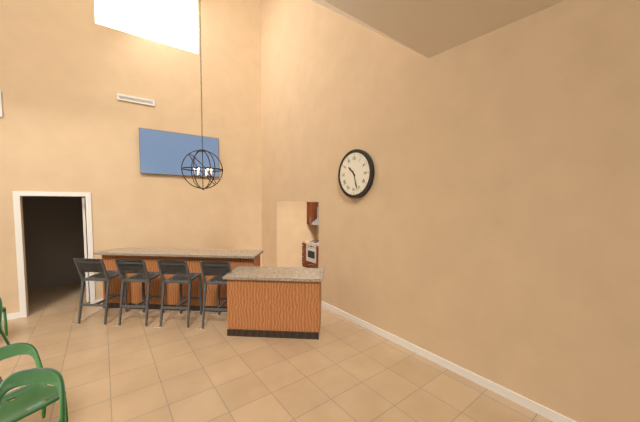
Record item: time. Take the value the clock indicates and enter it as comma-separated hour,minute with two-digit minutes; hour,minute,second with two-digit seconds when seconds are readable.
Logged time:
10,27
